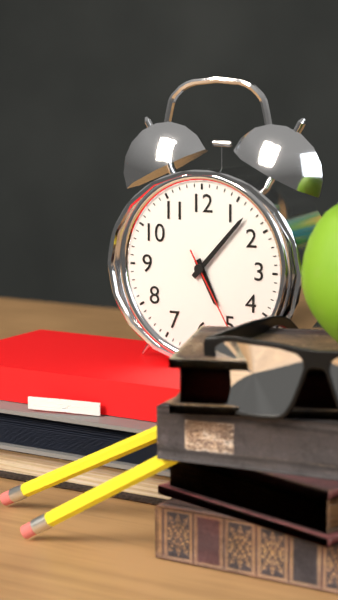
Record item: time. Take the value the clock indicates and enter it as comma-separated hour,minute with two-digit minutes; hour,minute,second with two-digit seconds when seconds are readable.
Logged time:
5,07,25
